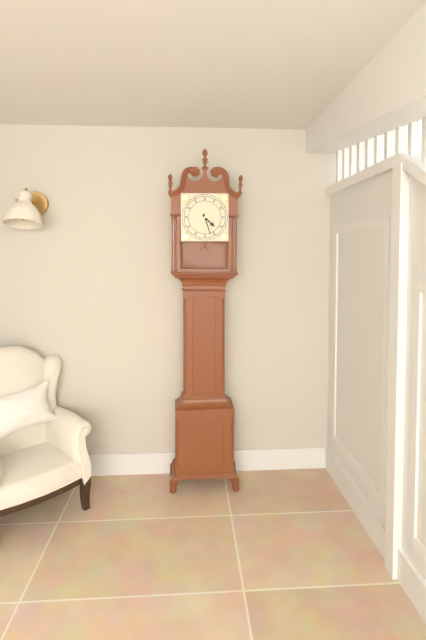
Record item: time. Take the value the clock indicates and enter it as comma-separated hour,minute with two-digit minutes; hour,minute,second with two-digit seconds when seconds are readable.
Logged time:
4,27
